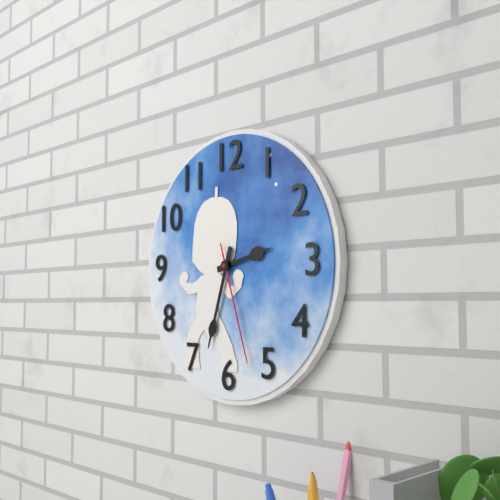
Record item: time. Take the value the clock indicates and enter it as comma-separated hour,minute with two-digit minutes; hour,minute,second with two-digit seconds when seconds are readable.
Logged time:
2,33,27
